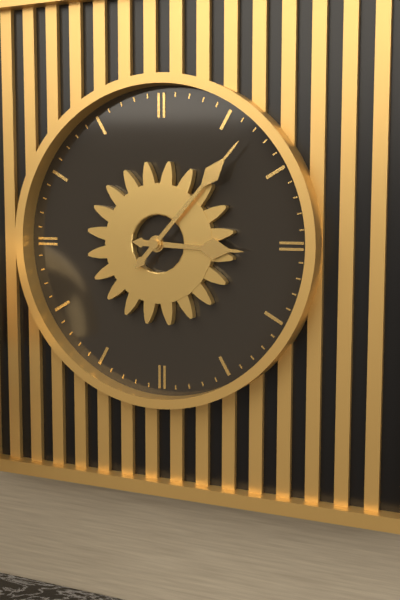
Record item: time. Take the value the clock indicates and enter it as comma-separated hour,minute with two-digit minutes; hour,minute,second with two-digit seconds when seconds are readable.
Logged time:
3,07
